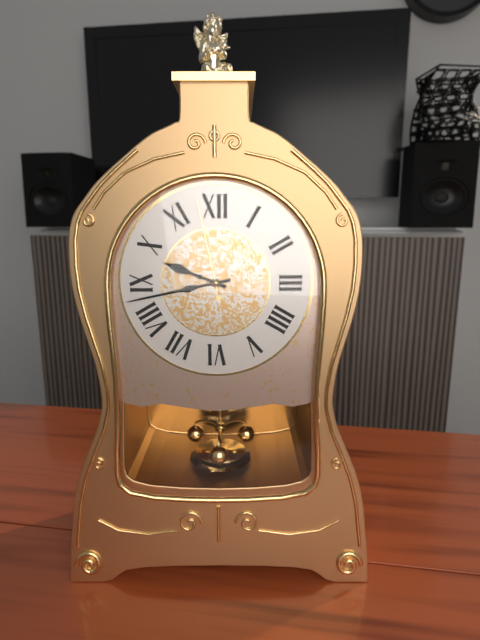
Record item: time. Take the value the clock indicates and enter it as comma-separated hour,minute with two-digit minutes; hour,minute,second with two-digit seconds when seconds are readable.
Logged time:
9,43,58
